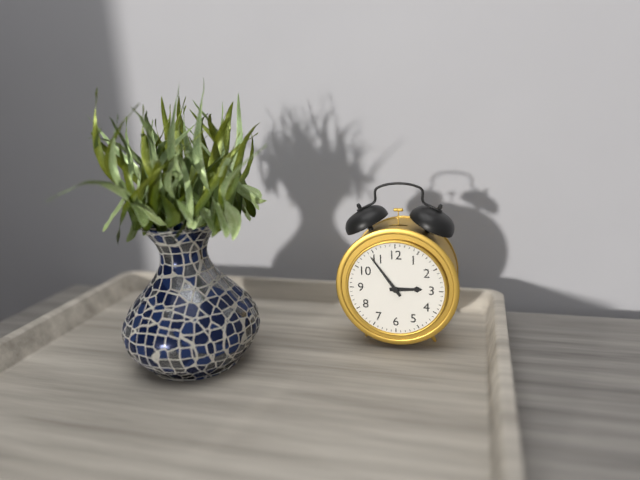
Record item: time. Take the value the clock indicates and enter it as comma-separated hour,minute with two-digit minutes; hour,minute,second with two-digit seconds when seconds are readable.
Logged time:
2,54
